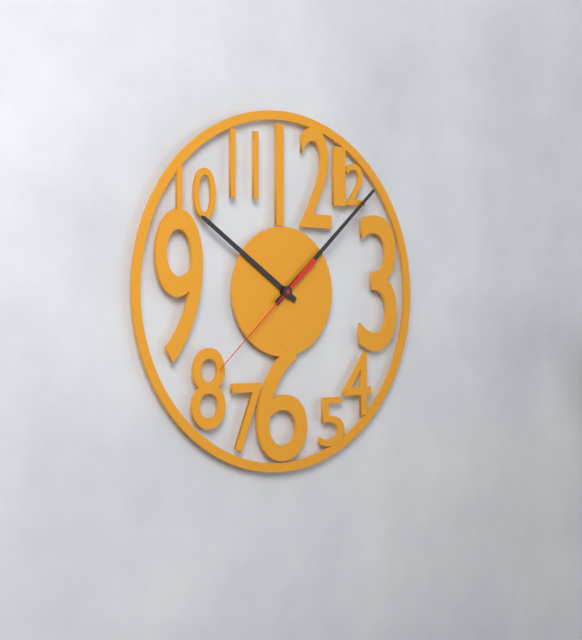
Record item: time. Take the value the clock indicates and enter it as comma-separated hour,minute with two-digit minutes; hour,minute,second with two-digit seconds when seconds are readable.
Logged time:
10,08,38
